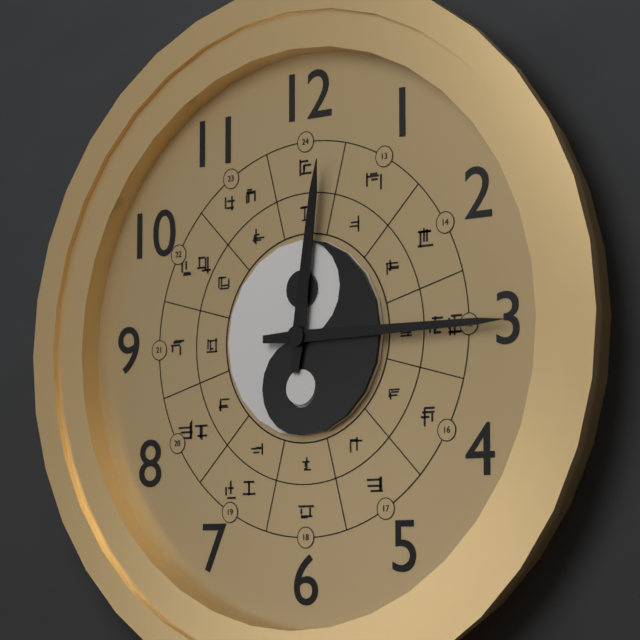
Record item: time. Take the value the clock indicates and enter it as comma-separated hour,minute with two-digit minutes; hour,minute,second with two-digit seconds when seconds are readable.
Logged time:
12,15
